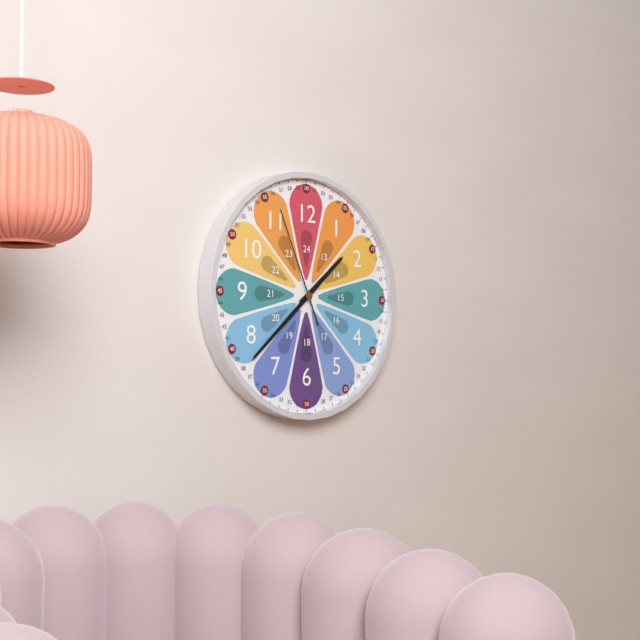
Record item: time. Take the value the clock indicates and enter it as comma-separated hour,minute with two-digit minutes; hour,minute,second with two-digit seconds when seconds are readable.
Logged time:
1,38,56
